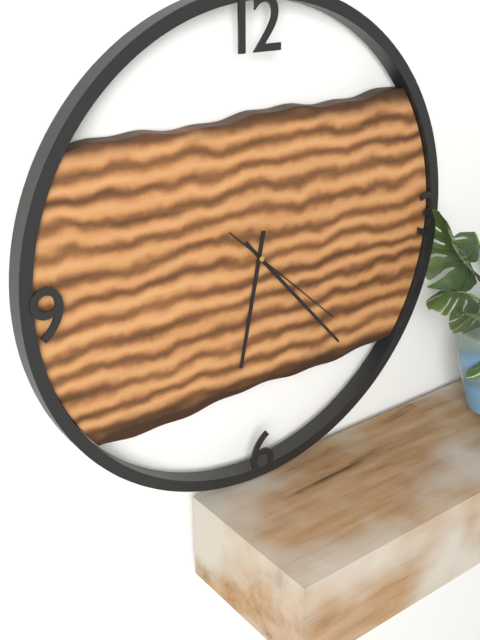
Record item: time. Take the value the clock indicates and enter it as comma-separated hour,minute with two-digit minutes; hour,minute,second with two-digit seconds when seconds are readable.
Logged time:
6,23,22
